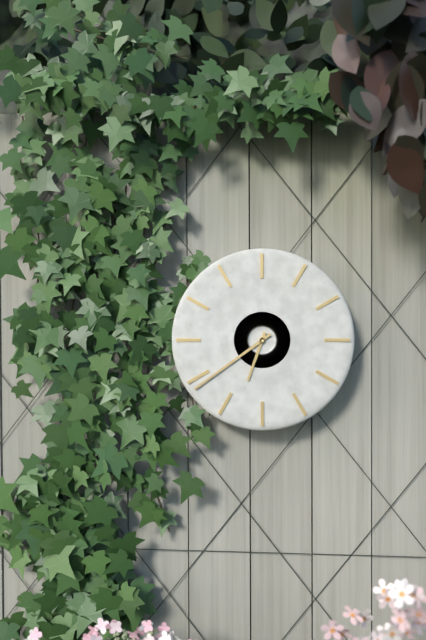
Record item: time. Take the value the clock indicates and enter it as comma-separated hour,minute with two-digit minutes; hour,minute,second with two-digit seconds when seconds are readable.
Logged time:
6,39
